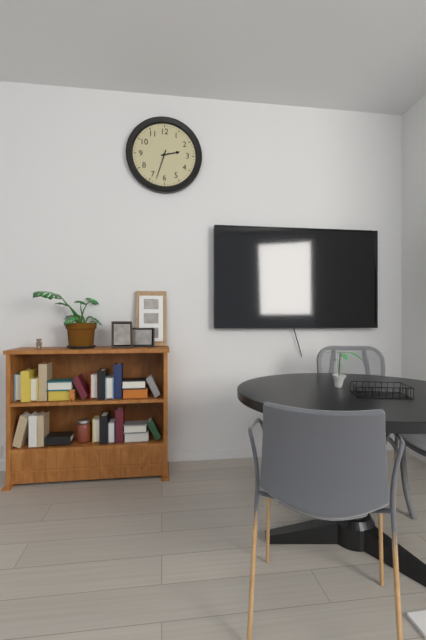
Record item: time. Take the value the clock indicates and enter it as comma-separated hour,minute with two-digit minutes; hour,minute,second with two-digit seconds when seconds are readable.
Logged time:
2,33
